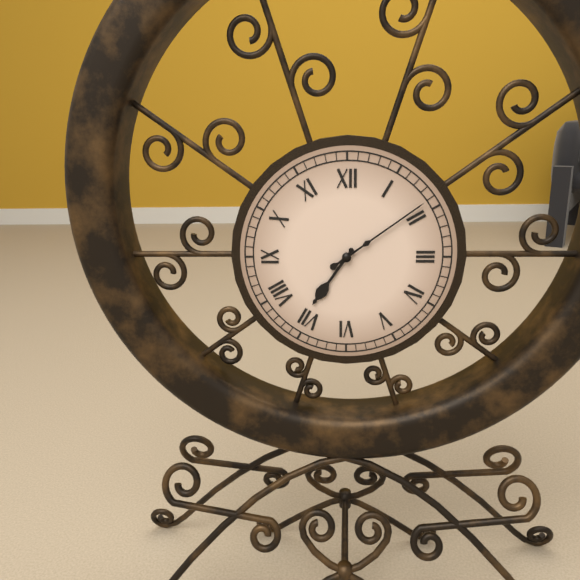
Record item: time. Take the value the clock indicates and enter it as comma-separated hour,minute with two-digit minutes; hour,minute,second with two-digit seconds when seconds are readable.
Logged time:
7,09
